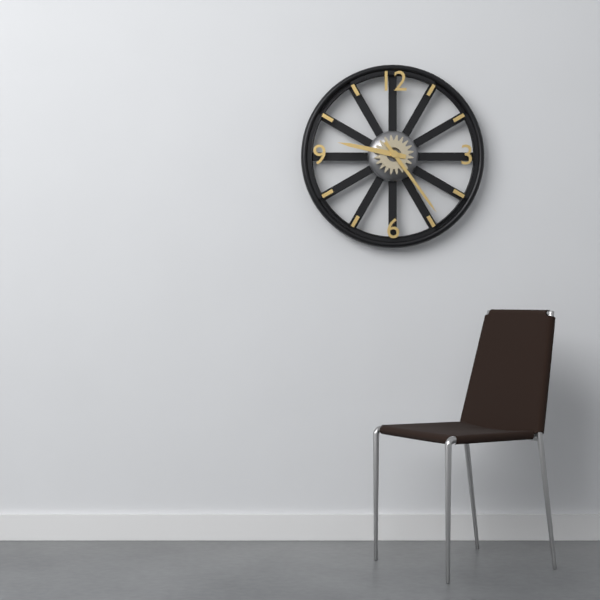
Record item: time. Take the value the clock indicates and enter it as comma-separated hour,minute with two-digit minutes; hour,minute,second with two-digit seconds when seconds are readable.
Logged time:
9,24
